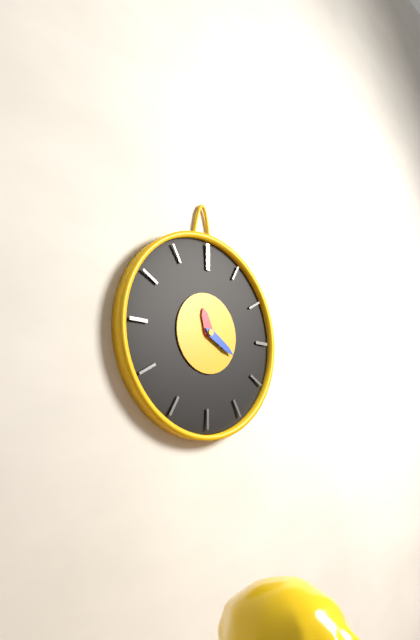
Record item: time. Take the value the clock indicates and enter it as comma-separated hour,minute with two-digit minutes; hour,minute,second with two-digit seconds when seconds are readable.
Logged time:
11,20
